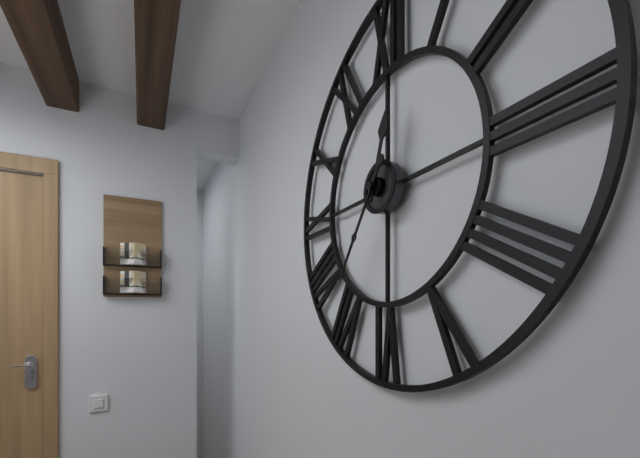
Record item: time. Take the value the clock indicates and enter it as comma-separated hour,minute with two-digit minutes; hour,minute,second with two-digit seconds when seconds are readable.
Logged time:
12,36
